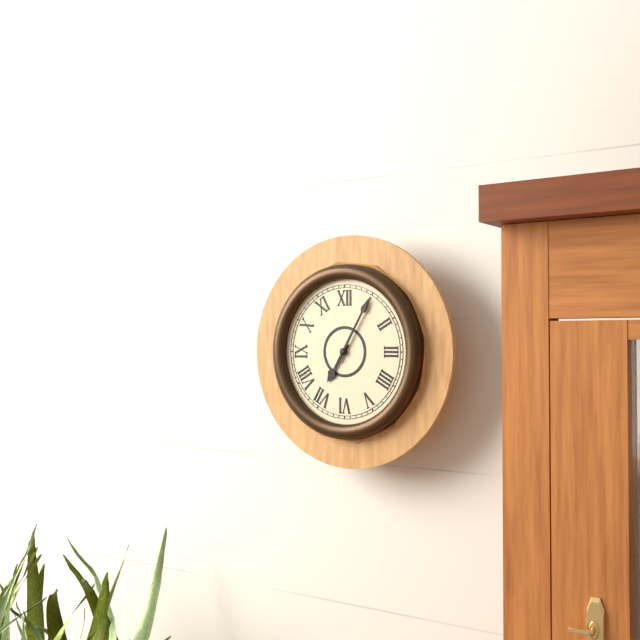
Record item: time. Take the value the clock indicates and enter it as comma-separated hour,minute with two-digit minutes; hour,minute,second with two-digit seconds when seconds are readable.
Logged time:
7,05
